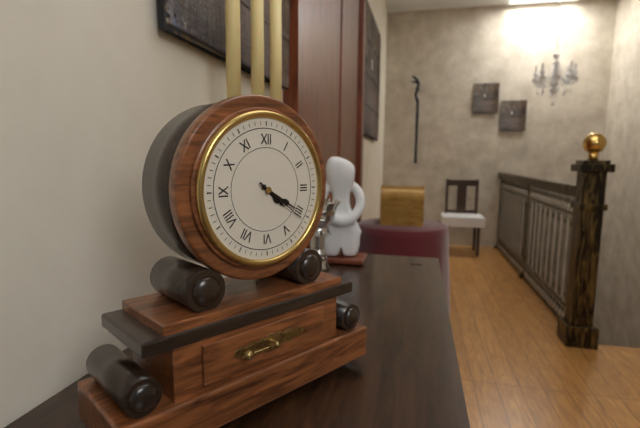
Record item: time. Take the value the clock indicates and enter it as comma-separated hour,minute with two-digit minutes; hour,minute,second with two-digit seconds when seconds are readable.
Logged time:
4,20,21
